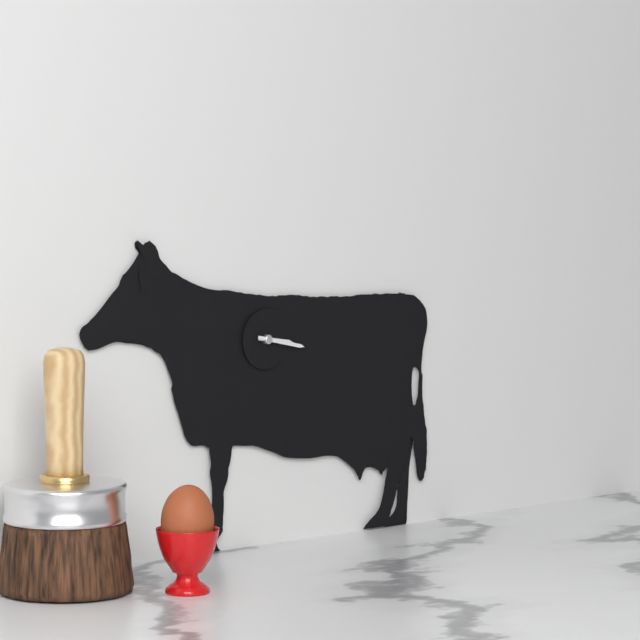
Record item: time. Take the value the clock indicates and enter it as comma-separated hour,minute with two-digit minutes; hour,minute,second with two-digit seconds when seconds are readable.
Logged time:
3,17
